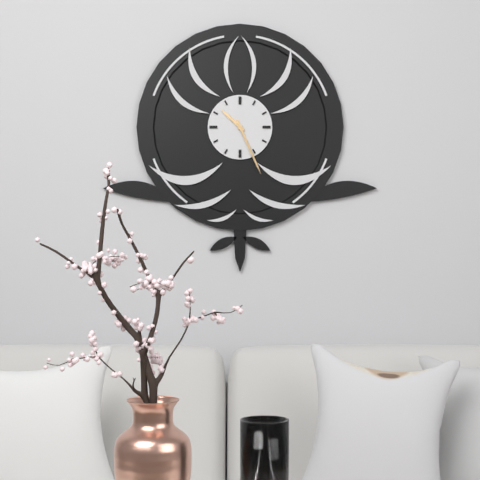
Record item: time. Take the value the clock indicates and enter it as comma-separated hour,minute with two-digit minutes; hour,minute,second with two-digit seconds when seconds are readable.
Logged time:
10,26
